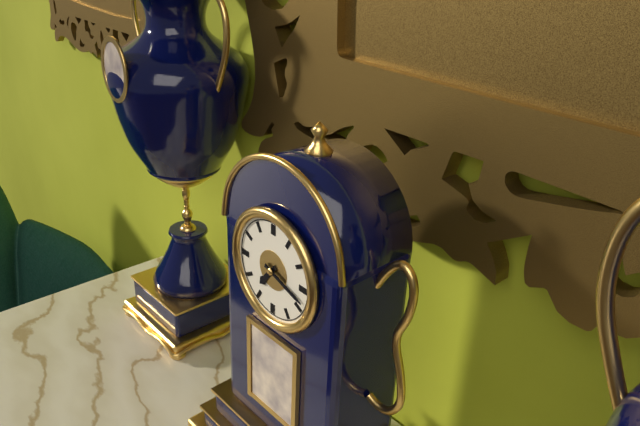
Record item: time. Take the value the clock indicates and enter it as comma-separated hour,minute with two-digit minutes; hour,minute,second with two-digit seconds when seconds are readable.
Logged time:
7,18
